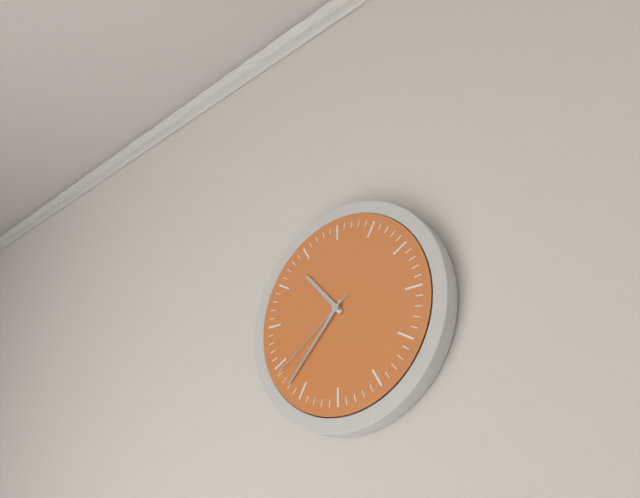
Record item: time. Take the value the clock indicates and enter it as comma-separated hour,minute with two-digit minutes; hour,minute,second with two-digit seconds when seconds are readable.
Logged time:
10,37,39
